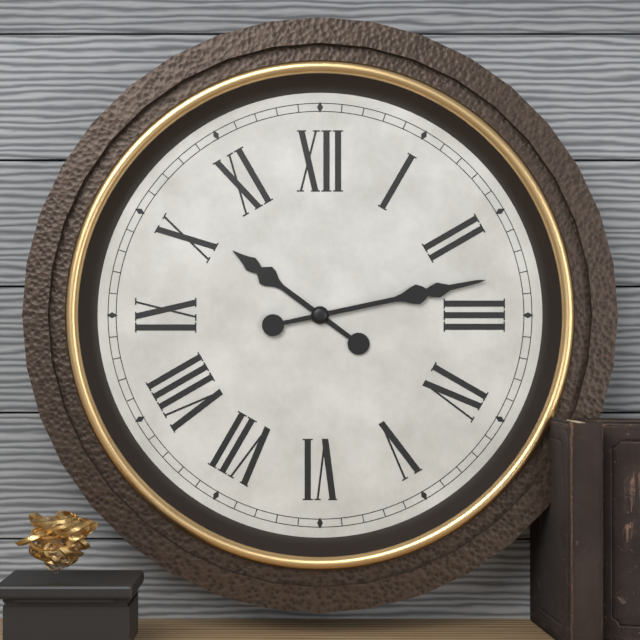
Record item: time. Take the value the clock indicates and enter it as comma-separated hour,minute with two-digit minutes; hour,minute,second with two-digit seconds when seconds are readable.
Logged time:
10,13
